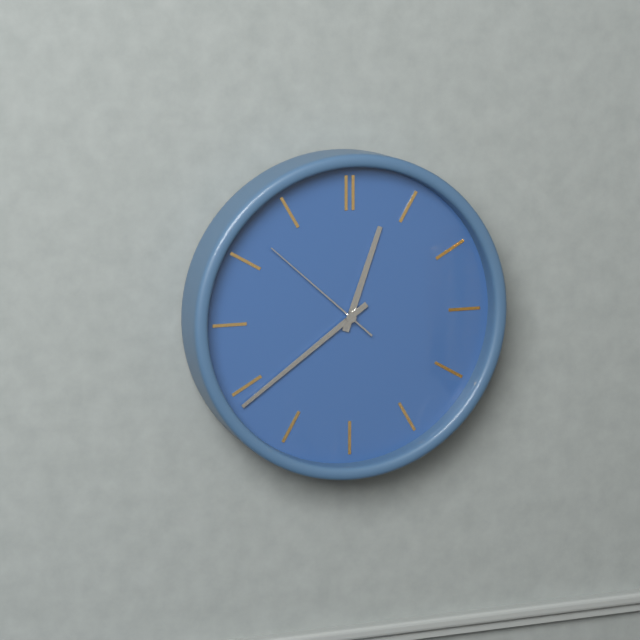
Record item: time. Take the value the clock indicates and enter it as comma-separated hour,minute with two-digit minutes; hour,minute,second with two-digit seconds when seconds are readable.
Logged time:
12,39,52
